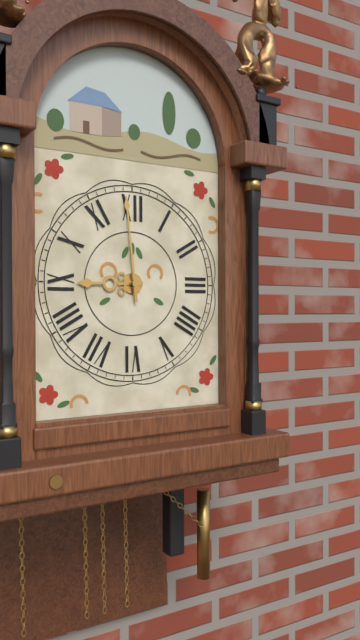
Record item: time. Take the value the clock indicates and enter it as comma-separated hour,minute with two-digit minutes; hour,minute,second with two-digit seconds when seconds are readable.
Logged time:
8,59
